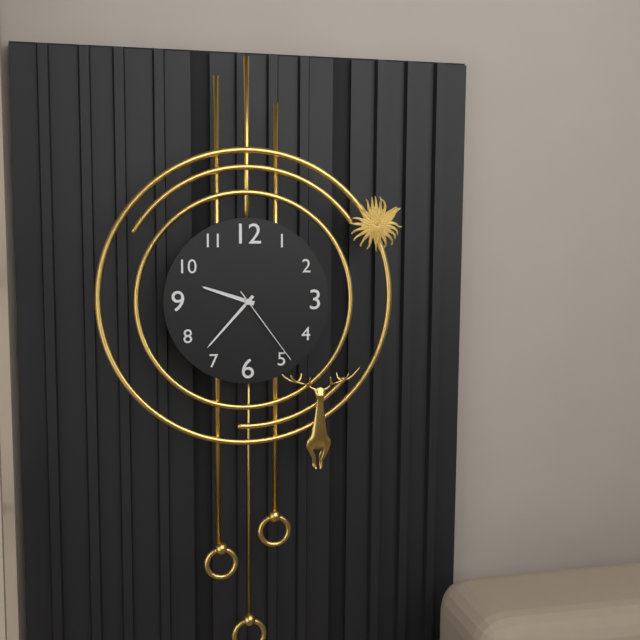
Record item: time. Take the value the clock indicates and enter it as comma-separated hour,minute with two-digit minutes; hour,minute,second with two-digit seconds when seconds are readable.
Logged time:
9,37,24
